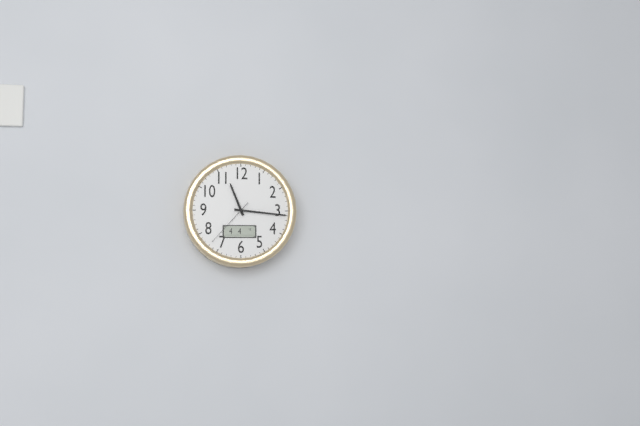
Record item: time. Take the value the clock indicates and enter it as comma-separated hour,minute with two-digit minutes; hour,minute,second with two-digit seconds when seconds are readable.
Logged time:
11,16,37
